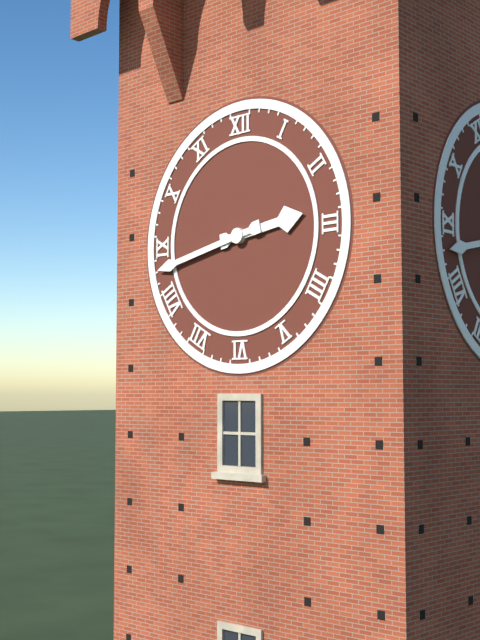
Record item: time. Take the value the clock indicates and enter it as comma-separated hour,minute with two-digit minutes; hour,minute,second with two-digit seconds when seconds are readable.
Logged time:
2,43
